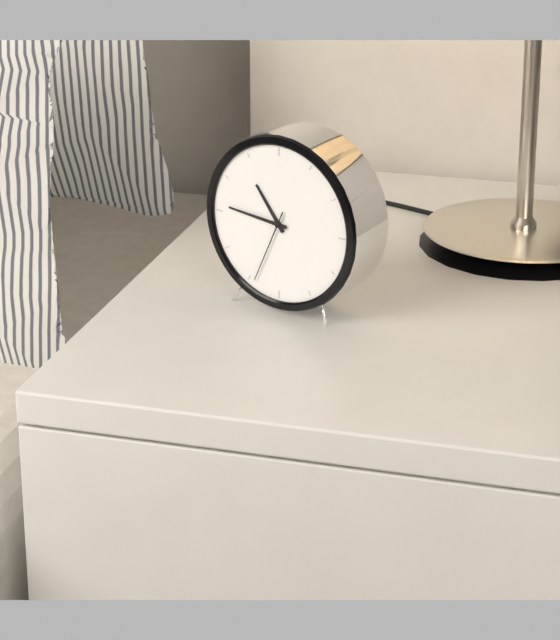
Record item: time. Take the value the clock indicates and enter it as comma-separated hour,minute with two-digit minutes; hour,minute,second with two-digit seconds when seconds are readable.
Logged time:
10,46,34
